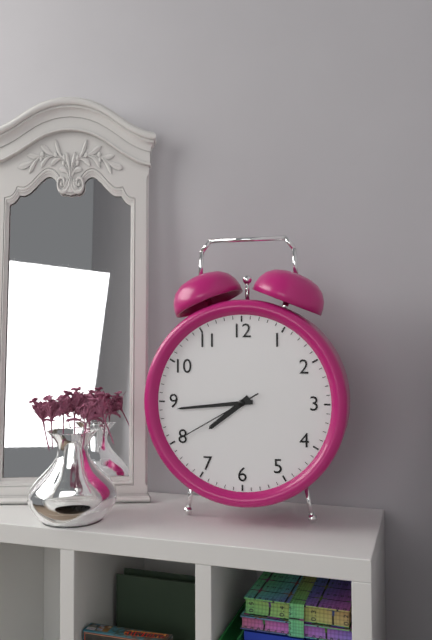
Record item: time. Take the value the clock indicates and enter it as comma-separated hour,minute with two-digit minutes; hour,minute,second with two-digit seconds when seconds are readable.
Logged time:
7,44,40
